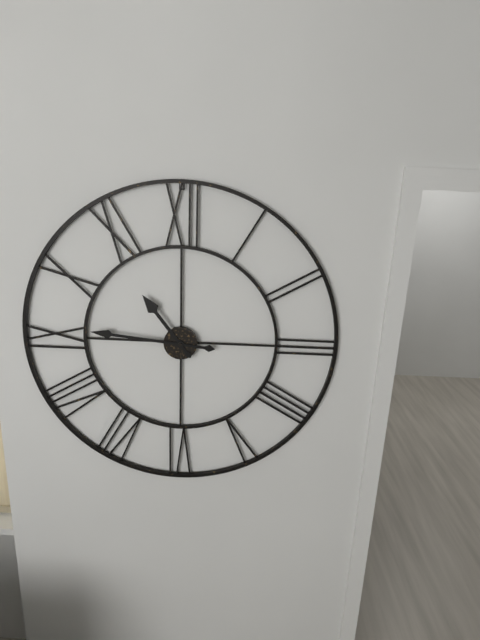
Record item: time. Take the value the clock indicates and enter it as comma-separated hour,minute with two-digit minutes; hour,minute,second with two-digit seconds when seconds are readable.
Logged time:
10,46
